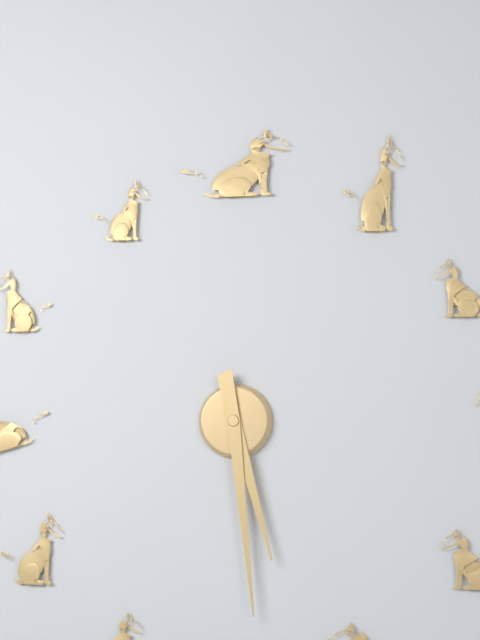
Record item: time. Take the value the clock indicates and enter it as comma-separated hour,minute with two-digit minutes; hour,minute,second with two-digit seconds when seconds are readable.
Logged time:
5,29
